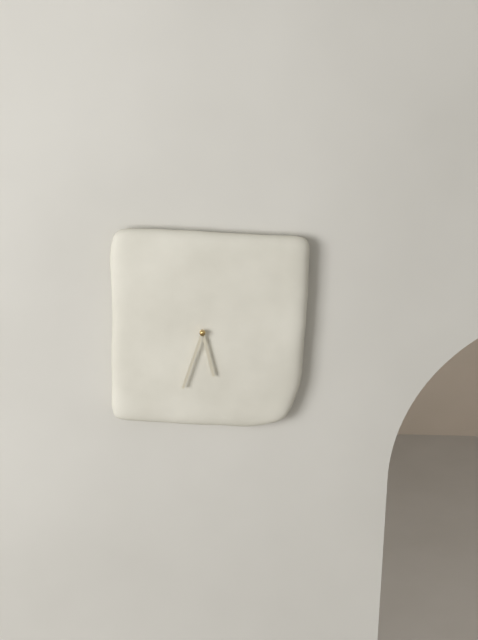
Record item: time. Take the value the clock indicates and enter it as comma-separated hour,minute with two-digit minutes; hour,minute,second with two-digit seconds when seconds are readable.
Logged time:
5,33
